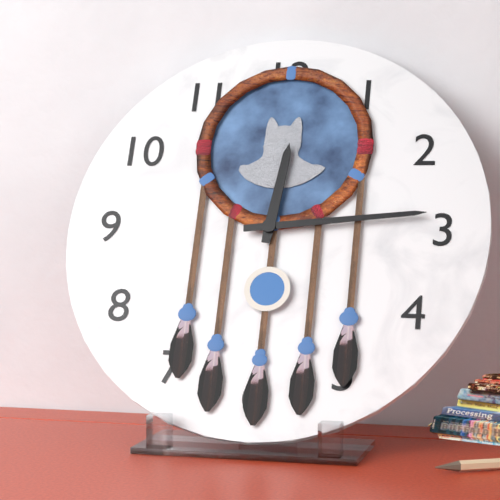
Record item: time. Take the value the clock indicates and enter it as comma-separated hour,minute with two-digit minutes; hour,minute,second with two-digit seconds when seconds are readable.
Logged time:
12,14
